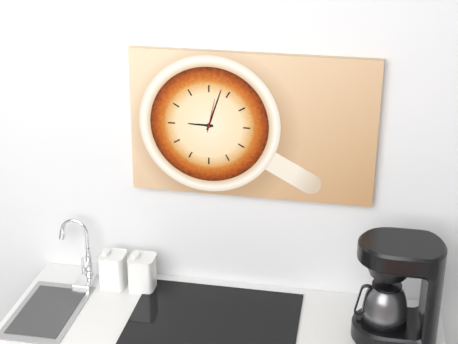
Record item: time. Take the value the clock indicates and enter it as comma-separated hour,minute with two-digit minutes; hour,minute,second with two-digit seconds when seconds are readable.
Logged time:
9,03
